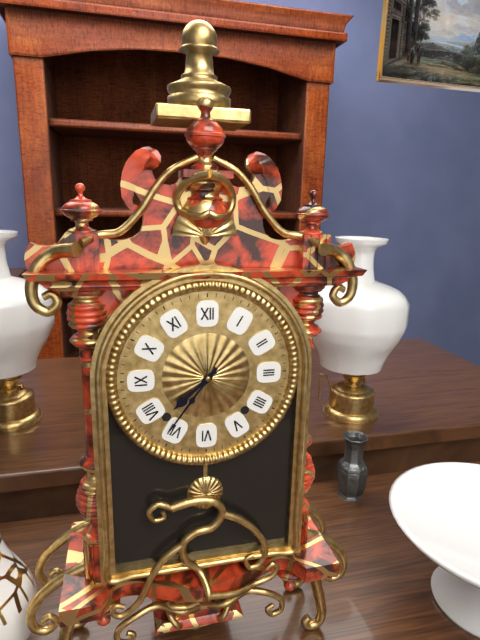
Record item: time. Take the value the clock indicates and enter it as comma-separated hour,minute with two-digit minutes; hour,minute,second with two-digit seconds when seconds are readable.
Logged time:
7,36
